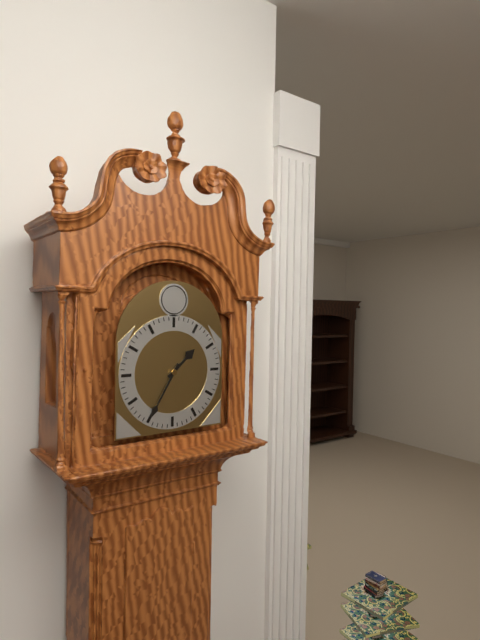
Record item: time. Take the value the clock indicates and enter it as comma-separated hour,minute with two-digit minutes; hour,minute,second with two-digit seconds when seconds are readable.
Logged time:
1,35
